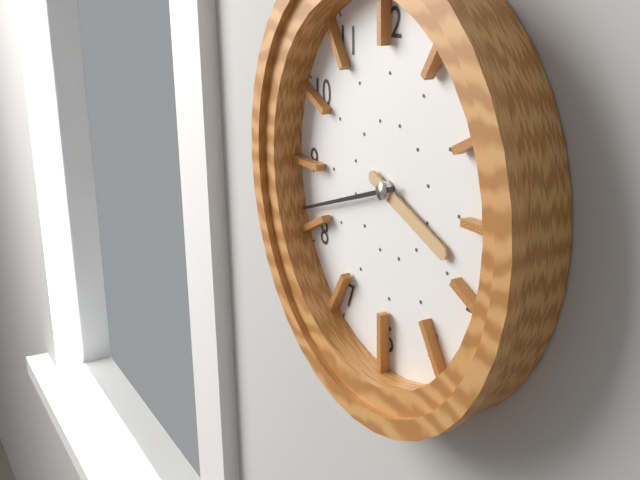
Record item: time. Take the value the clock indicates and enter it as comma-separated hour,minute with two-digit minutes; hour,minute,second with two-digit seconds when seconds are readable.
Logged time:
3,42
